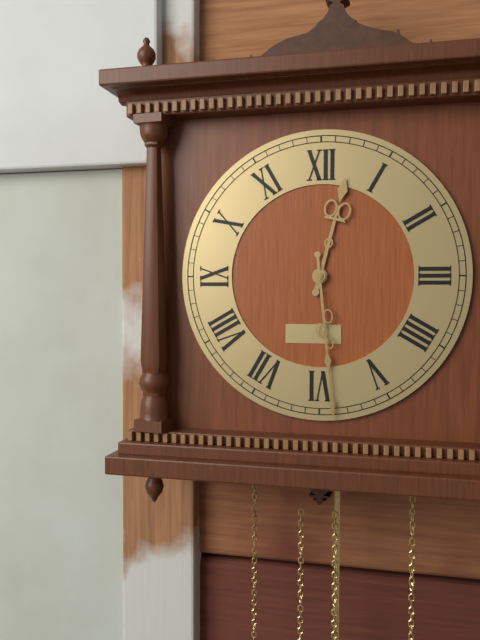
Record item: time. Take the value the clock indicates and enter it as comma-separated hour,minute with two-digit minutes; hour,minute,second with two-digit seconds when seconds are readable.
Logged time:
12,29
